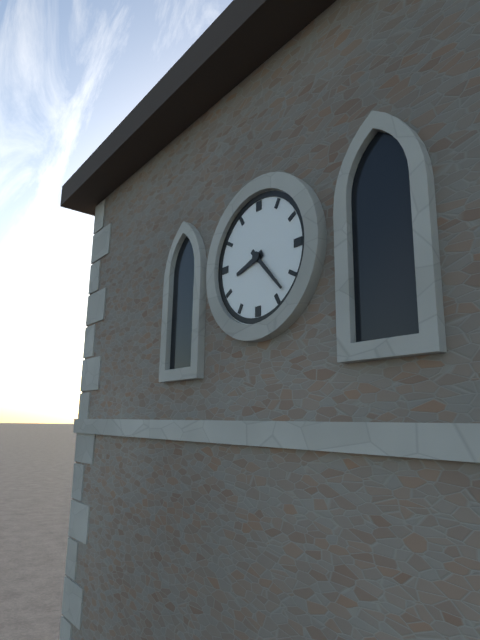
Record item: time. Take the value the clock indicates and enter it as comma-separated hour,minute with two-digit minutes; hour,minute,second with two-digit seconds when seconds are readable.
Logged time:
8,23
